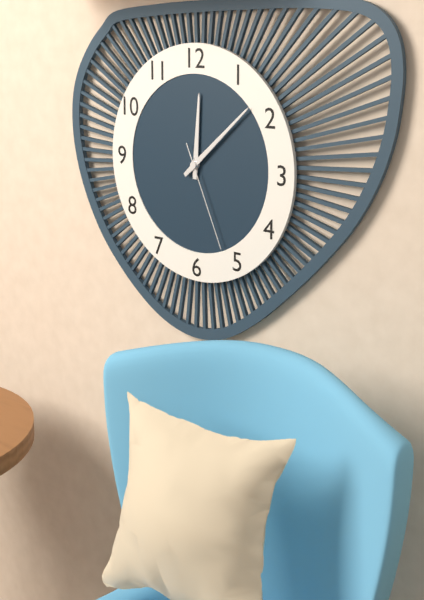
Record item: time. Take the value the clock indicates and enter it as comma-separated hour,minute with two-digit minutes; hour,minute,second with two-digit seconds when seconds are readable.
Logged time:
12,08,26
